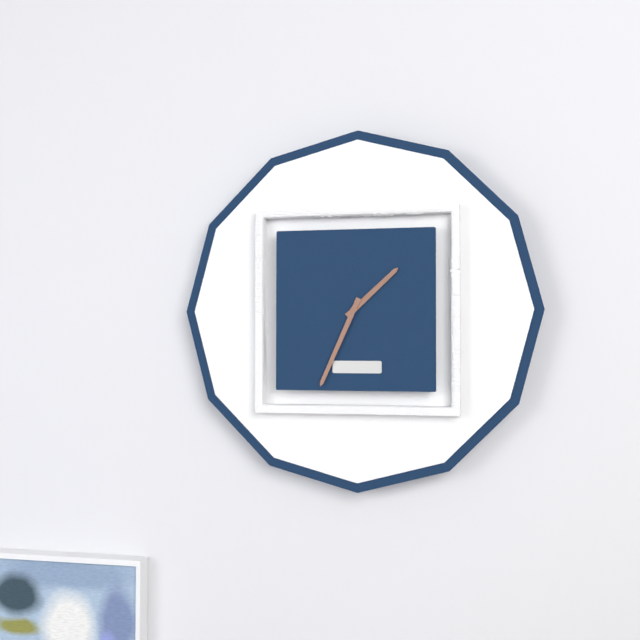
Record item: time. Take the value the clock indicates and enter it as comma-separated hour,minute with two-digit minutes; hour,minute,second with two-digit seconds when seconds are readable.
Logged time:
1,34
